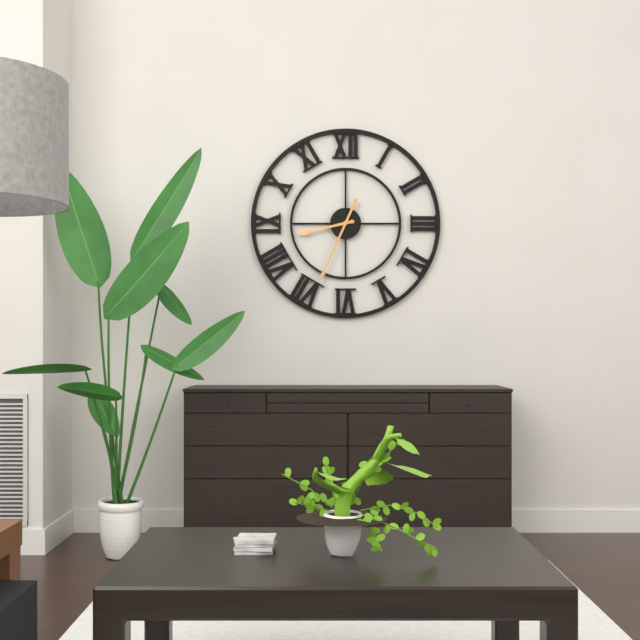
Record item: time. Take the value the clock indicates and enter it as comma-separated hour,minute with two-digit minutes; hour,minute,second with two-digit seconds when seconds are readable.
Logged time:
8,34
